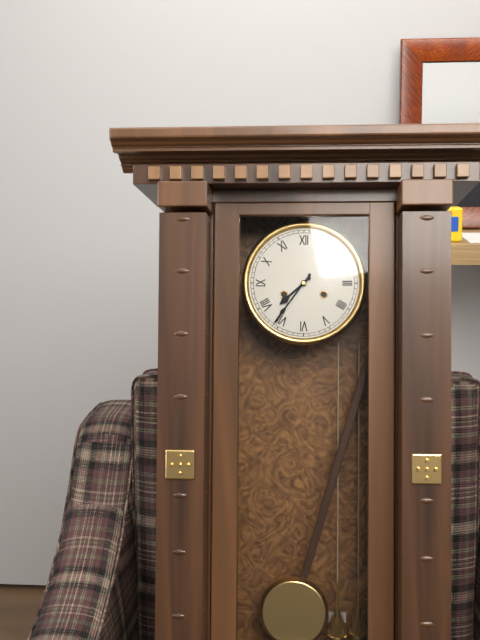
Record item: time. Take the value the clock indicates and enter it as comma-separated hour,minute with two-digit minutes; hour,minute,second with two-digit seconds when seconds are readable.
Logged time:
7,36
